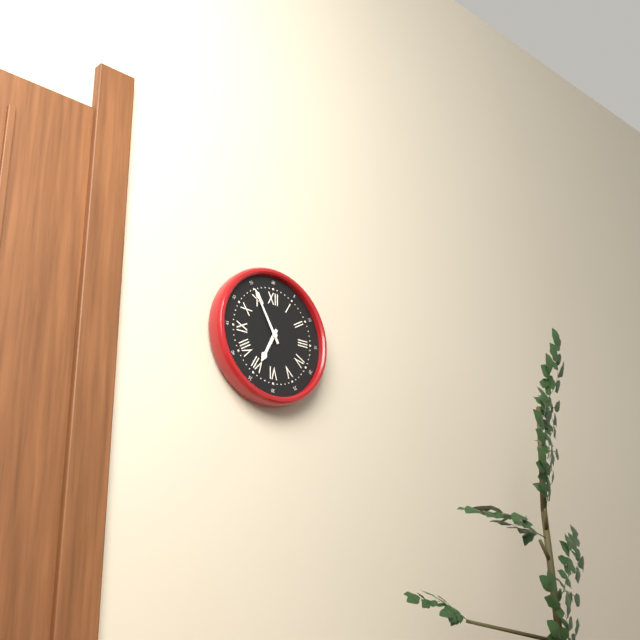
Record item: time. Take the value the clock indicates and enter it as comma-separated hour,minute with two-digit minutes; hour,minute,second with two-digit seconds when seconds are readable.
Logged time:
6,55
